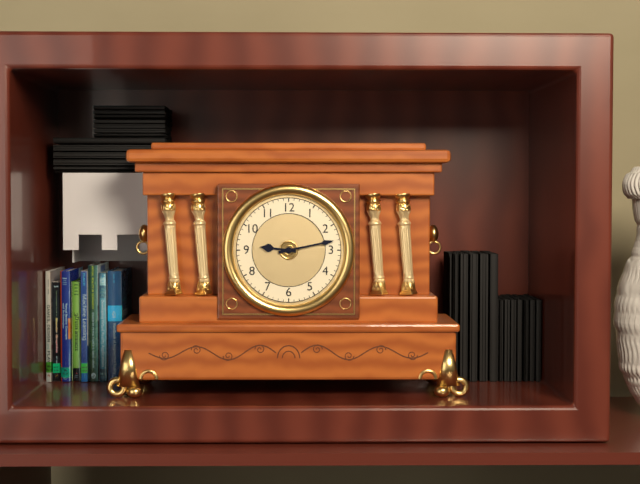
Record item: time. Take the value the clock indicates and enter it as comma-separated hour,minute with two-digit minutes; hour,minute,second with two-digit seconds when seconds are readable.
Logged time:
9,13
